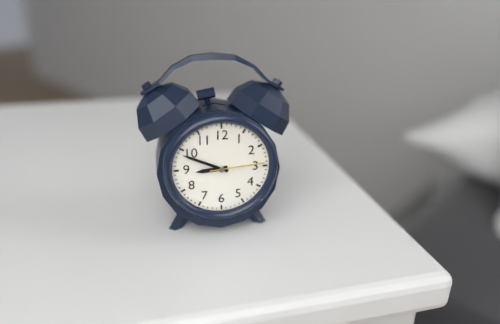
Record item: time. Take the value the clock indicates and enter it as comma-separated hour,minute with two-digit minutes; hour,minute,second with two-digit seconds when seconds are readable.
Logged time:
8,49,14
